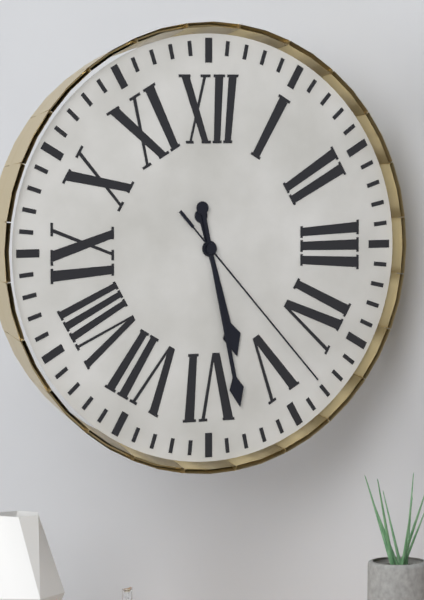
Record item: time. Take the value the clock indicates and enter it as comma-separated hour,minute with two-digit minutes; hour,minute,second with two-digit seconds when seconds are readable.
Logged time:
5,28,23
